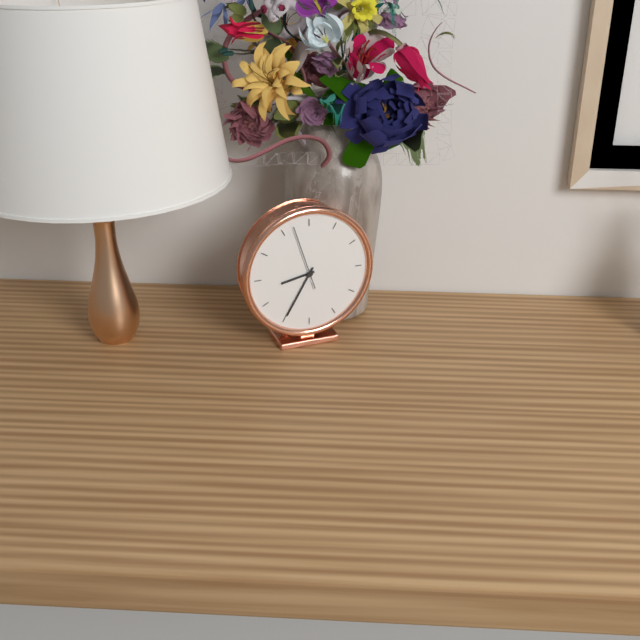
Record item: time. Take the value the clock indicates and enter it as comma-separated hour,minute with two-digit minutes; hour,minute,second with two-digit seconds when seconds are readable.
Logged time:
8,35,57
